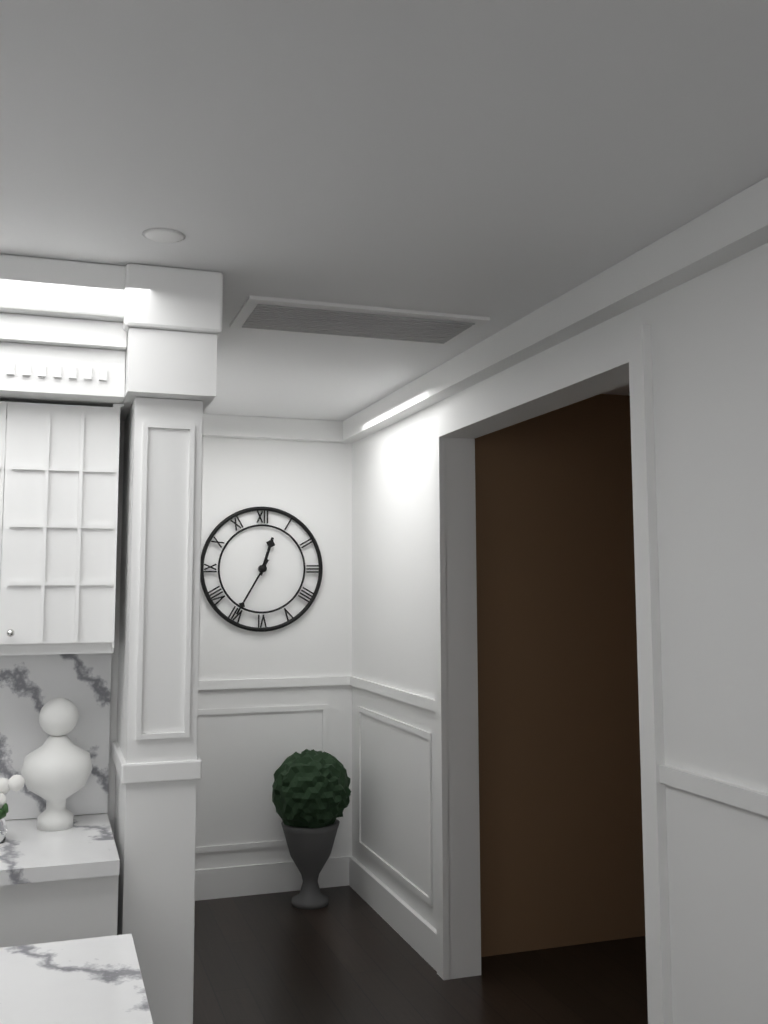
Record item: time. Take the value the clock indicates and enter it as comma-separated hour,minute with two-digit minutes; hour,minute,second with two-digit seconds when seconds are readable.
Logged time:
12,35
